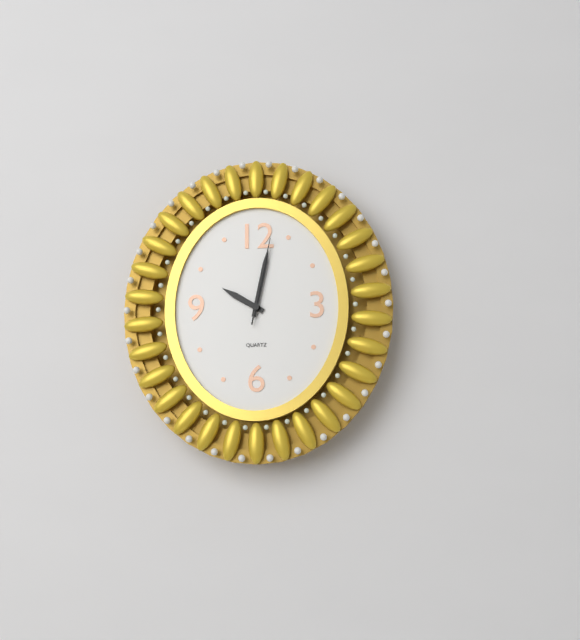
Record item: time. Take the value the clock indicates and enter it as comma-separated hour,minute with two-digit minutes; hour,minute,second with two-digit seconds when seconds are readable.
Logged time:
10,02,02
